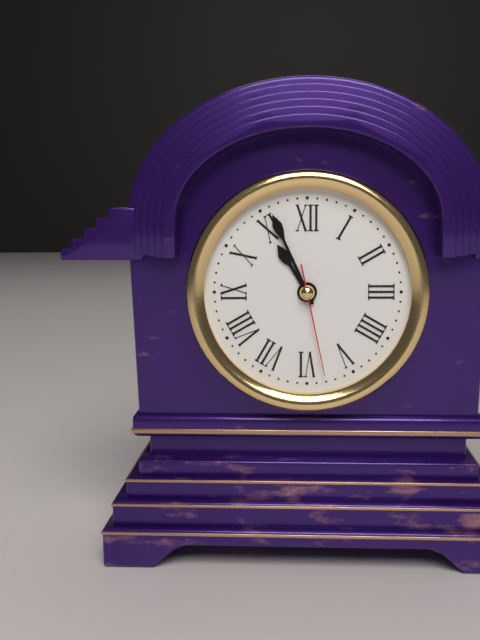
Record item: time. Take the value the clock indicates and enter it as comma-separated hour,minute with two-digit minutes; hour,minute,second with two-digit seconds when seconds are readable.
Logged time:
10,56,28
